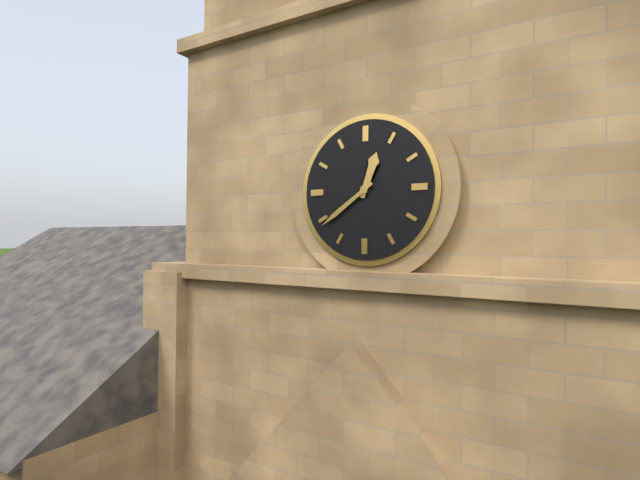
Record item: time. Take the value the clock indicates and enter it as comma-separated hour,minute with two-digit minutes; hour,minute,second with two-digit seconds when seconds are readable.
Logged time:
12,39
